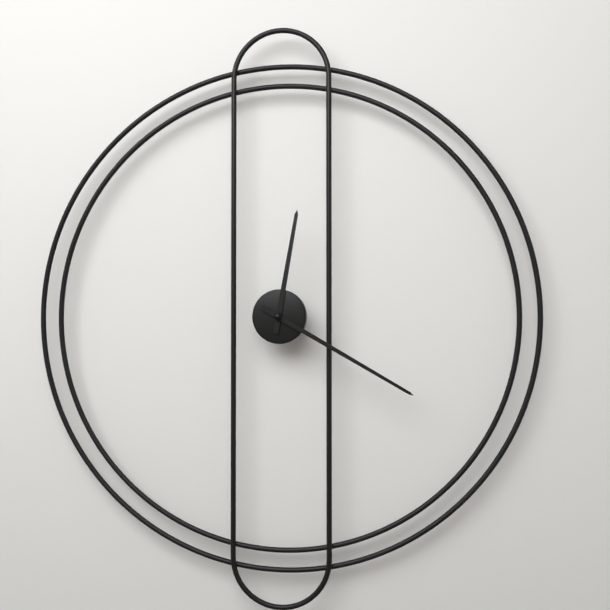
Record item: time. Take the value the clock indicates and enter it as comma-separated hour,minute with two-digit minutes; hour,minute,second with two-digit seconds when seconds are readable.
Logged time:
12,20
